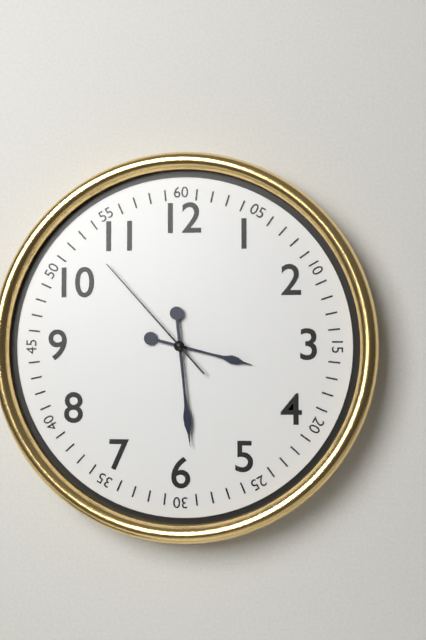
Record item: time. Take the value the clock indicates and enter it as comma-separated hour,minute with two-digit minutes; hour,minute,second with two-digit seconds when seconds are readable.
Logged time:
3,29,53
